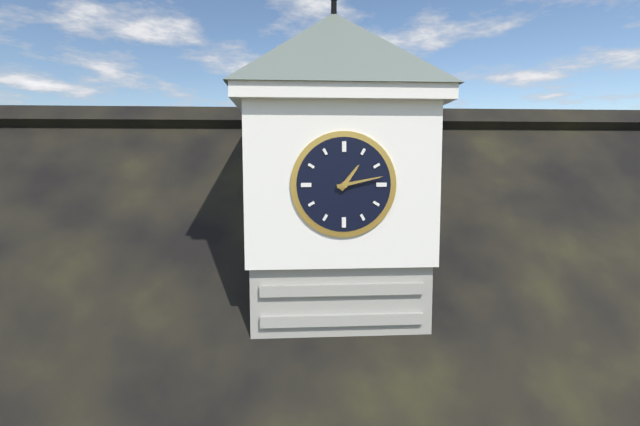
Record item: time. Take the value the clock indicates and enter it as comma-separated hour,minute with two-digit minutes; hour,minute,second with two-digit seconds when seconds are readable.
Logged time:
1,13
